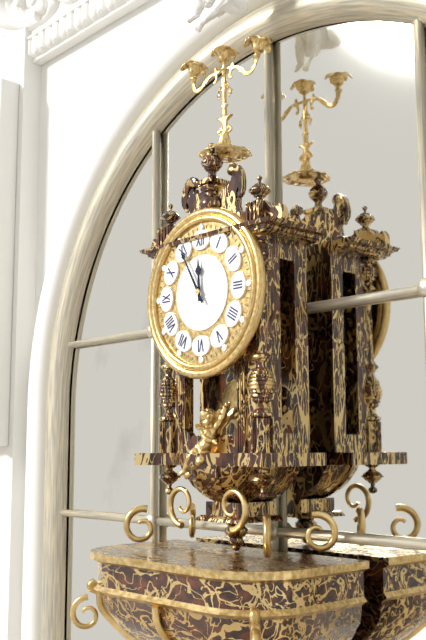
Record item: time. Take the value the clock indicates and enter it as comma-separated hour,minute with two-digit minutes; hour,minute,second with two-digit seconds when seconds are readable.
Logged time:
11,55
